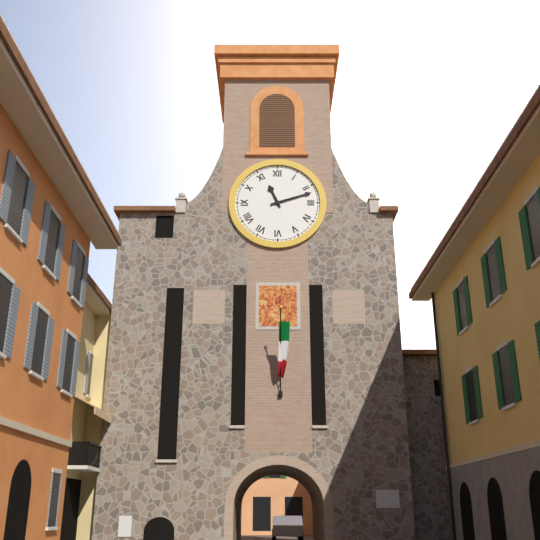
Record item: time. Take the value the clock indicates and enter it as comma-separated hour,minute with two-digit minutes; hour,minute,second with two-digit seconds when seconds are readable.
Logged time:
11,12
